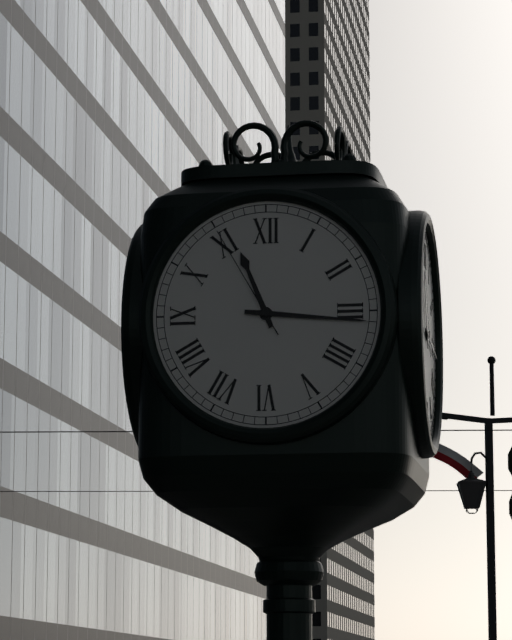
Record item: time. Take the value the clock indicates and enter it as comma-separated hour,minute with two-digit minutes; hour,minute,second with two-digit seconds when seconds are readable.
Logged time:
11,16,55
